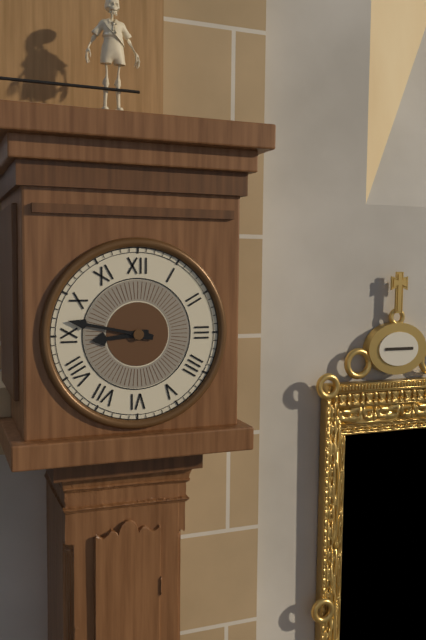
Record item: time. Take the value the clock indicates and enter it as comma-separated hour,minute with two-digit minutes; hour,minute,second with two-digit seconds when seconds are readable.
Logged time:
8,47
